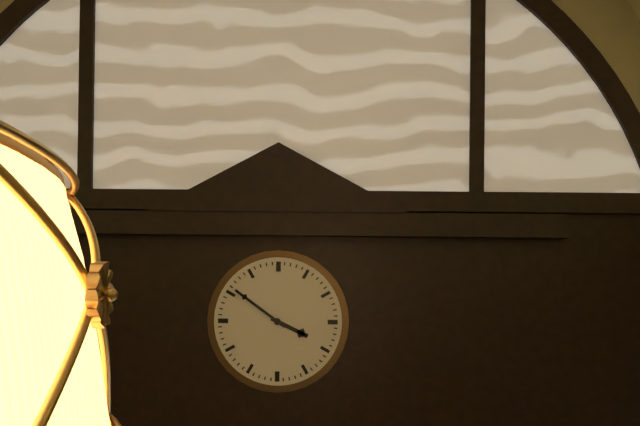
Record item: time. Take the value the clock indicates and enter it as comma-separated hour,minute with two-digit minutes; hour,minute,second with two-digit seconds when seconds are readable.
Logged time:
3,51
